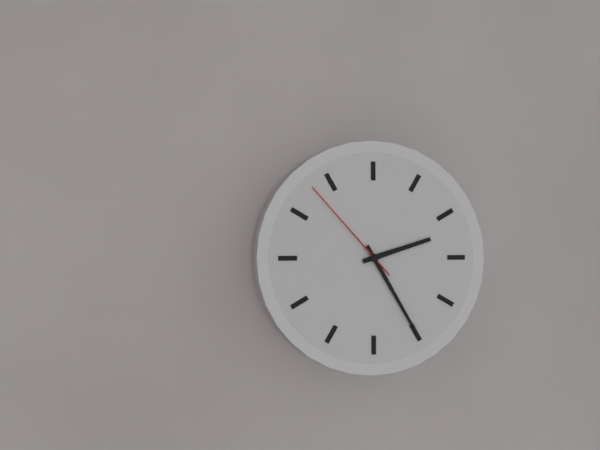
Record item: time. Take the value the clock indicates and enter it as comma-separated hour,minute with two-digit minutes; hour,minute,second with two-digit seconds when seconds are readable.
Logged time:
2,25,53
